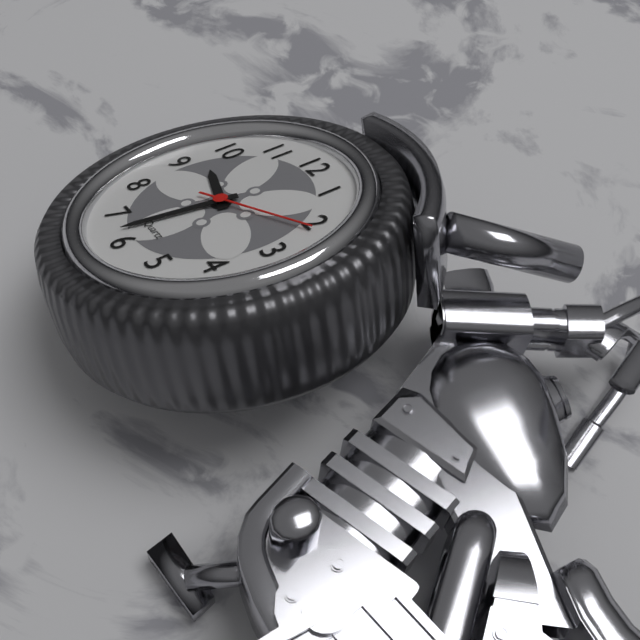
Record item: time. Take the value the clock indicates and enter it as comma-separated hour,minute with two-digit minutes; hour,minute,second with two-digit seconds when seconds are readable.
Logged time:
9,32,11
